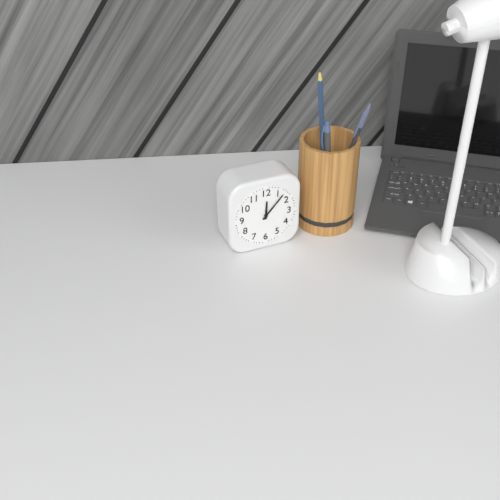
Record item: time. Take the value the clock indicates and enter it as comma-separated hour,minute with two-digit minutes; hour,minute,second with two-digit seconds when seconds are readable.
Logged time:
12,07
